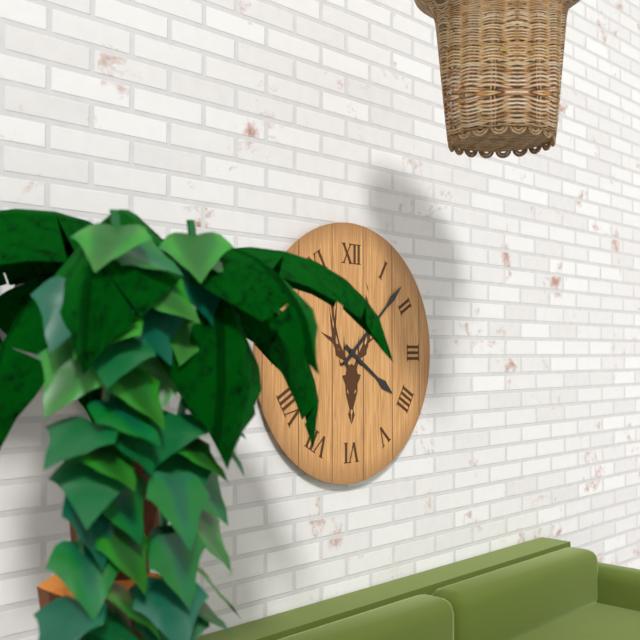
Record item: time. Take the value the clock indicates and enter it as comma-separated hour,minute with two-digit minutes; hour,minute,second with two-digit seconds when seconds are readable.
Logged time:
4,08
